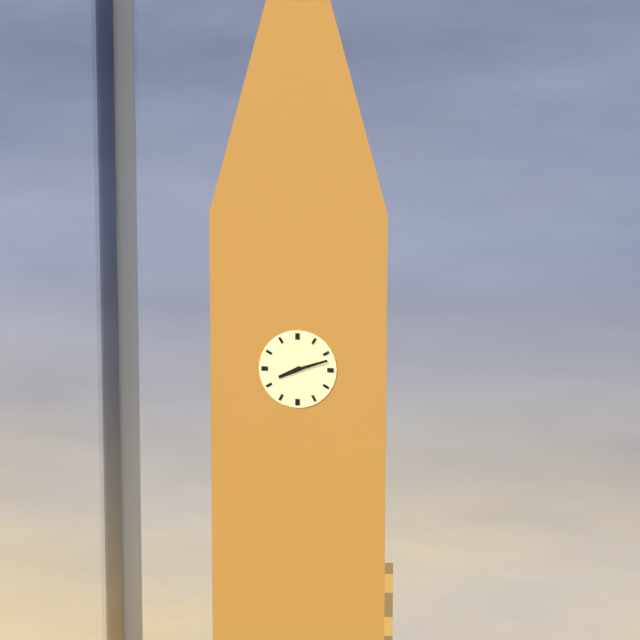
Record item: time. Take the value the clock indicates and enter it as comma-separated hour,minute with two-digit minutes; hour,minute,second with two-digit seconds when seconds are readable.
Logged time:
8,12
